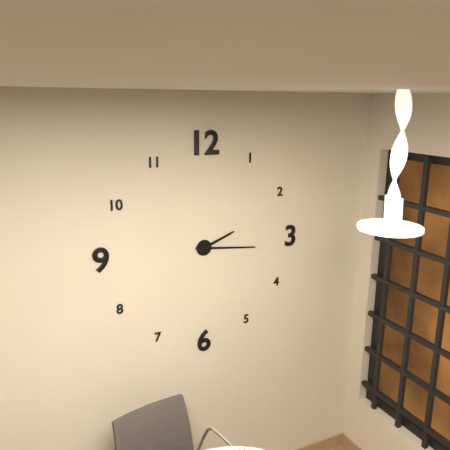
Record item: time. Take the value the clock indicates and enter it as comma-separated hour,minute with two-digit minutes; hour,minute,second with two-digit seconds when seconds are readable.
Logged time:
2,16
